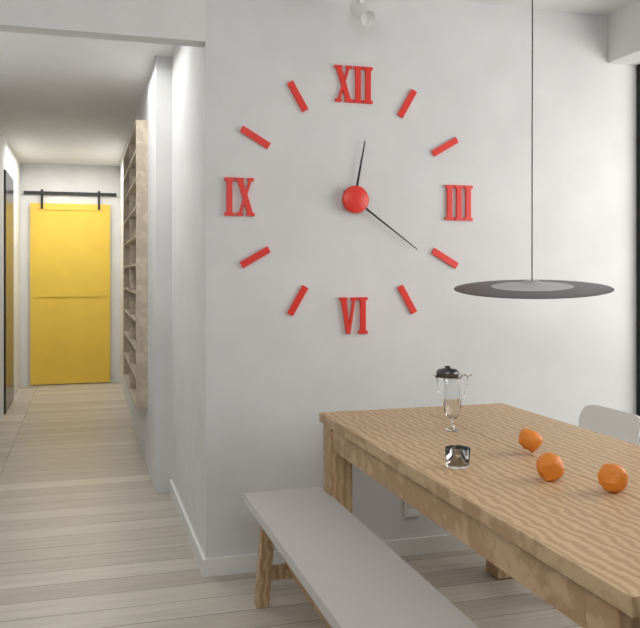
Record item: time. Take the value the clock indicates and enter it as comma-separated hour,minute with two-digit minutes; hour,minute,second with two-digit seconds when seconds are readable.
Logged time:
12,21
